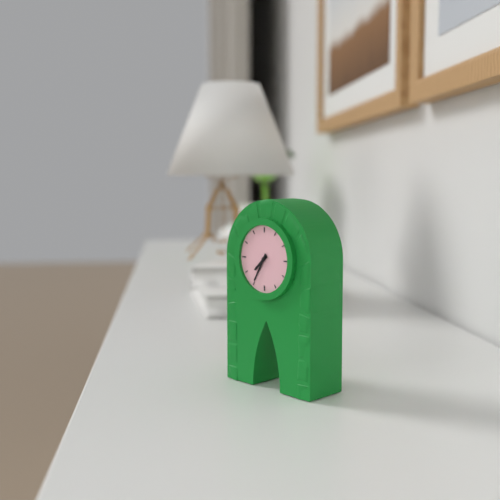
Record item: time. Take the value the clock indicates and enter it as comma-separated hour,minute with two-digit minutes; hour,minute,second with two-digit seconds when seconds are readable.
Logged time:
7,35
